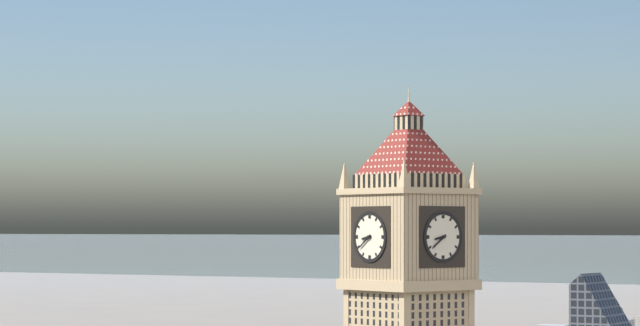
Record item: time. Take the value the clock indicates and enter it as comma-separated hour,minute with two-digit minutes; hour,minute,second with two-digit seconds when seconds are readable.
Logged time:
8,39
